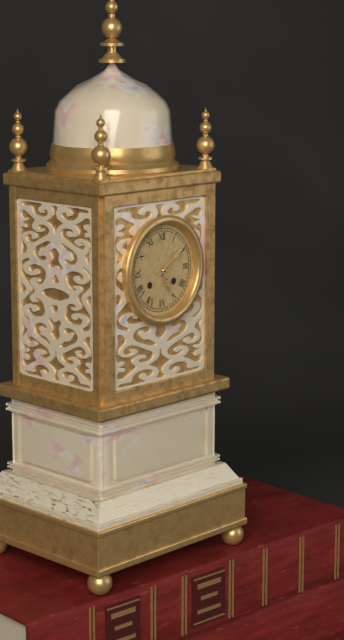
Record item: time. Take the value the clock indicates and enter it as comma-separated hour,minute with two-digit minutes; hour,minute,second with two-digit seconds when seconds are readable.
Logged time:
5,09
